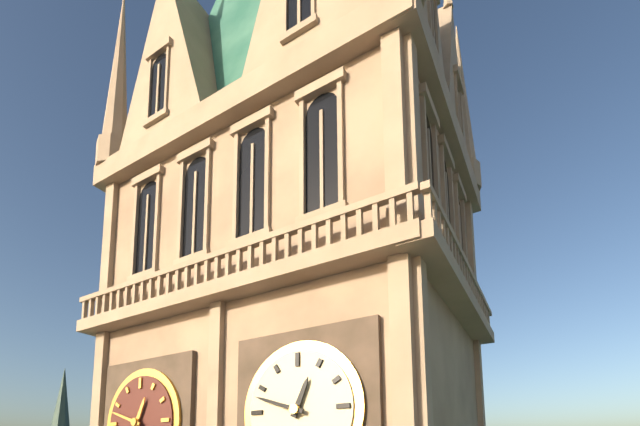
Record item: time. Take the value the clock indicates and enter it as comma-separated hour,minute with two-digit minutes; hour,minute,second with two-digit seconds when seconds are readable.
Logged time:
12,48
